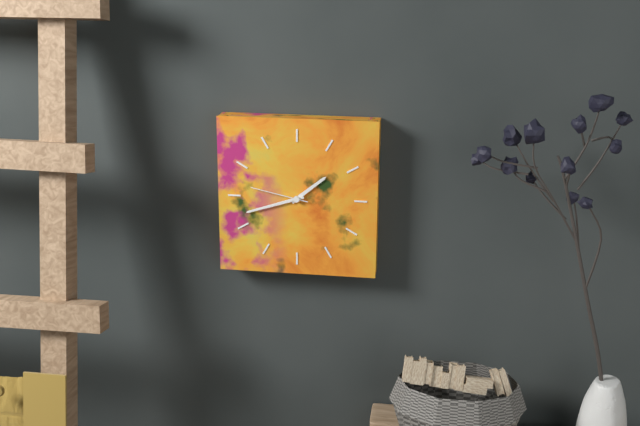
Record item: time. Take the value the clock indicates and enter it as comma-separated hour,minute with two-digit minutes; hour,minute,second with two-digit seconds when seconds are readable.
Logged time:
1,42,47
